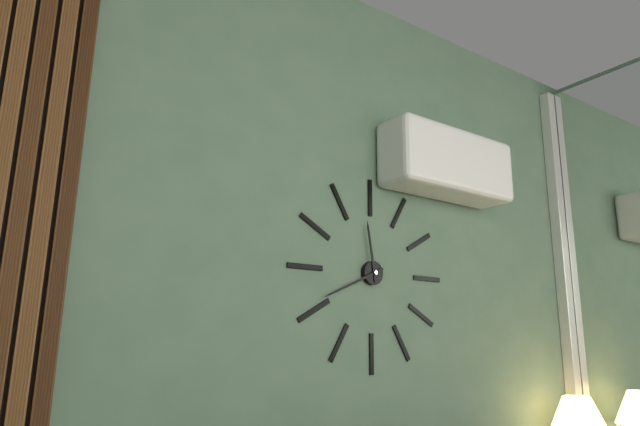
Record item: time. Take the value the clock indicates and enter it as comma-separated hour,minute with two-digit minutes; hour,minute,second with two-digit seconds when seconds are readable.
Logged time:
11,41
